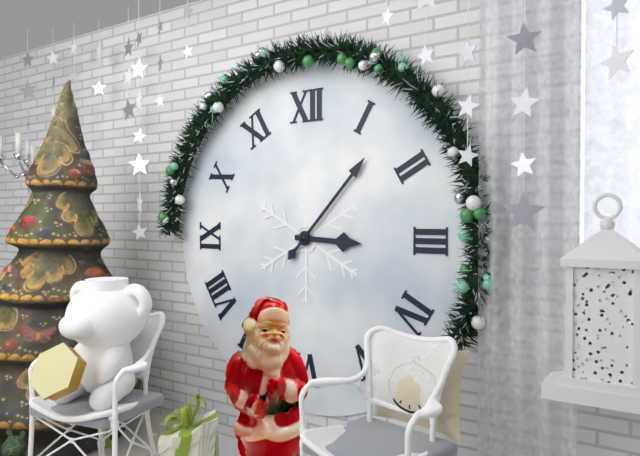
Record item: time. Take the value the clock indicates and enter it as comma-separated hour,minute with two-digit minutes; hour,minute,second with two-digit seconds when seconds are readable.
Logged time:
3,07
